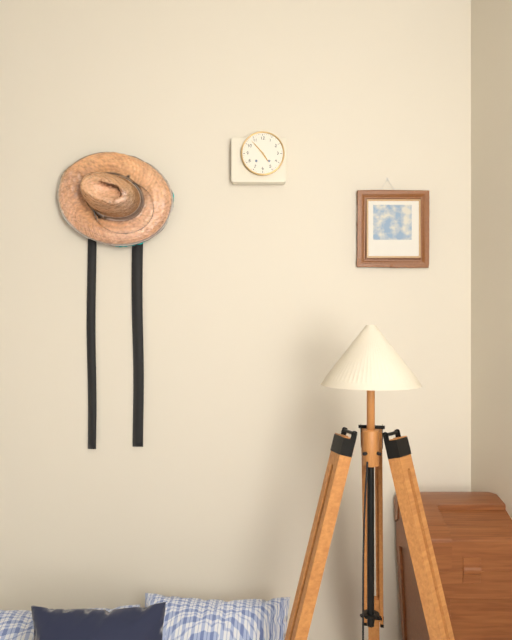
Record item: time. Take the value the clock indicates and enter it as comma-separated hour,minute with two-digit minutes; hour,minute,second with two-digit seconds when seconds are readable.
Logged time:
4,53
